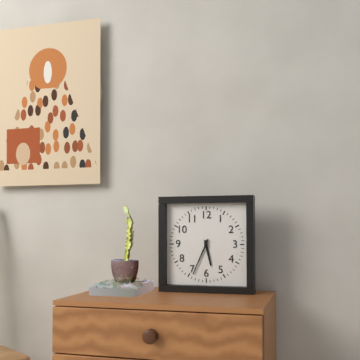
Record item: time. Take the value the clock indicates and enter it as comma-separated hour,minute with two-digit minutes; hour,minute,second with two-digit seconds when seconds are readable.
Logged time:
5,34
